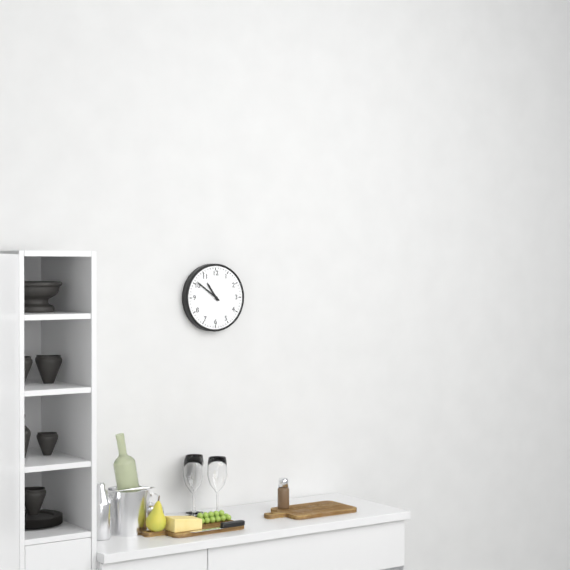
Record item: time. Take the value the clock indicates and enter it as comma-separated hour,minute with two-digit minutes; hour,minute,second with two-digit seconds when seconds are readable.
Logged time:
10,51
